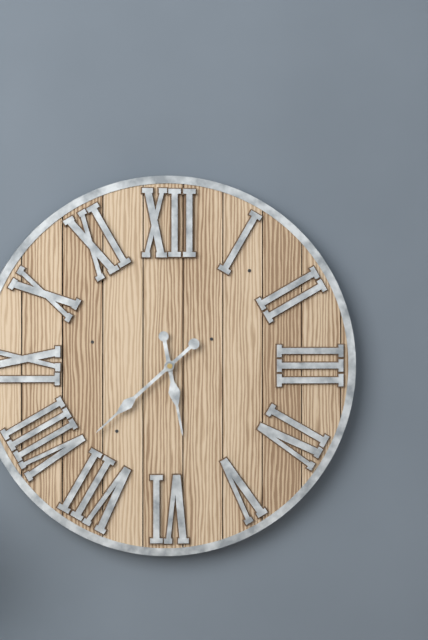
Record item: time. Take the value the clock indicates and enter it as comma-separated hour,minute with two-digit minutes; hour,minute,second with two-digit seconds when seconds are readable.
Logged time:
5,38
